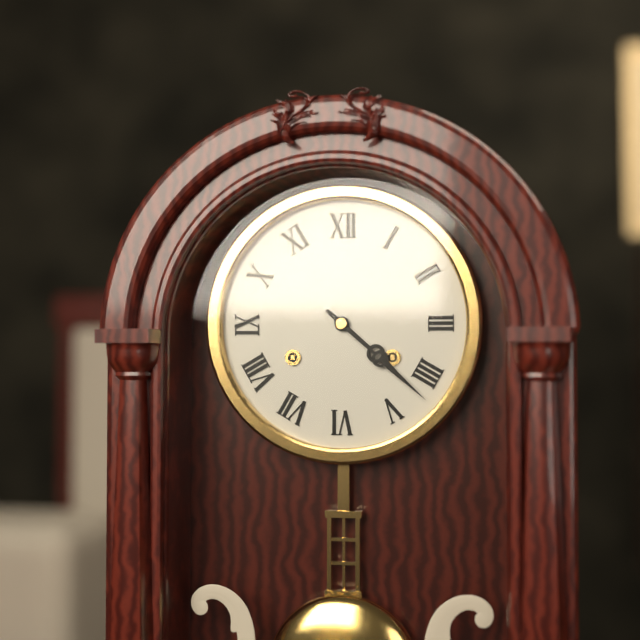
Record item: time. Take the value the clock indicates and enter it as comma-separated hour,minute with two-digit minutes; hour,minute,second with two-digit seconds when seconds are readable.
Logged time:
4,22
